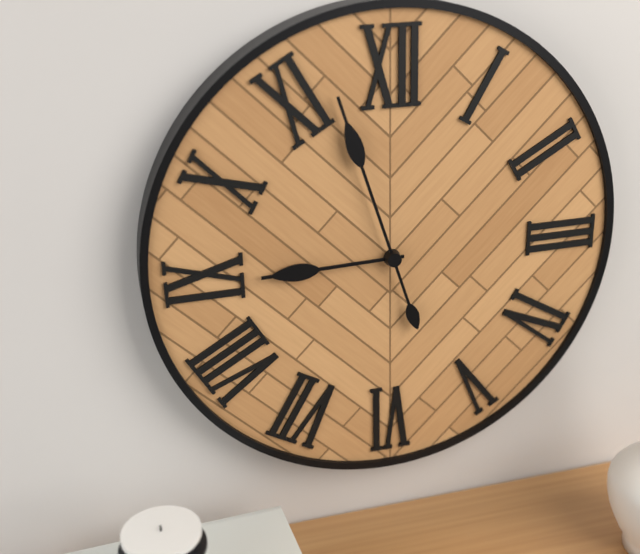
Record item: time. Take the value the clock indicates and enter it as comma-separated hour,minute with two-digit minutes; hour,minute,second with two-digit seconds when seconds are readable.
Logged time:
8,57
